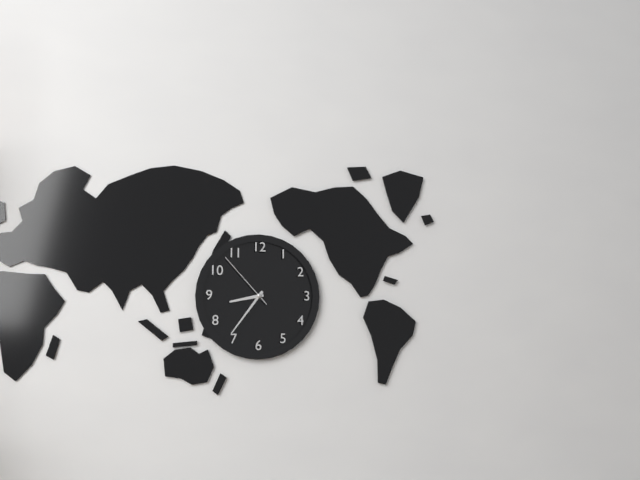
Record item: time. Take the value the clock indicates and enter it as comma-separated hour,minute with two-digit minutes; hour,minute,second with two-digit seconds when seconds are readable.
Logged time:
8,36,53
